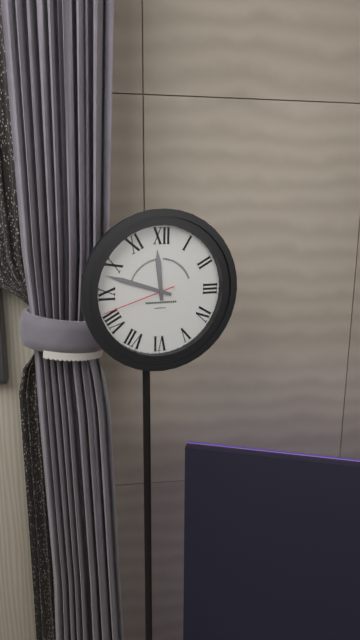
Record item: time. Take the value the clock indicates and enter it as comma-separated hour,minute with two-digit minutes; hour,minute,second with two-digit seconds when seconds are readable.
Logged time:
11,48,42
